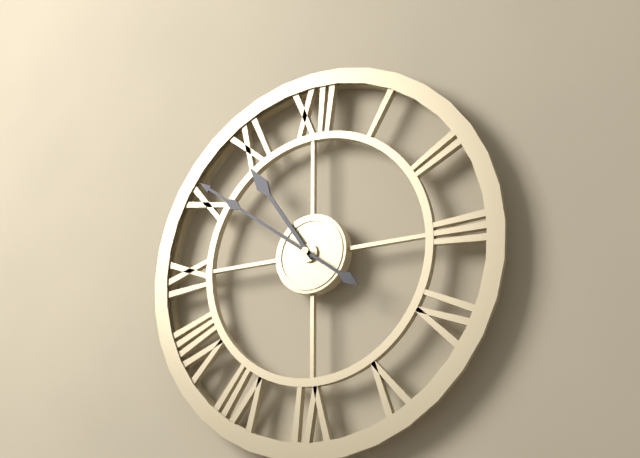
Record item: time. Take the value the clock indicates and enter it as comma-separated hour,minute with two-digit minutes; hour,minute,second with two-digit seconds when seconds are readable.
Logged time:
10,51
